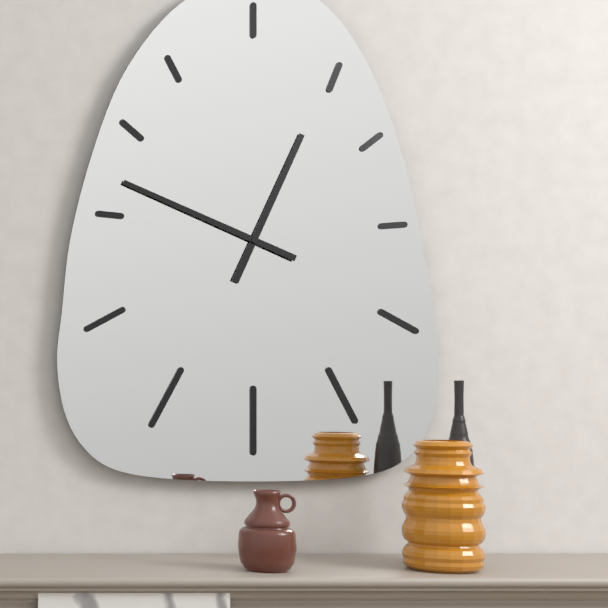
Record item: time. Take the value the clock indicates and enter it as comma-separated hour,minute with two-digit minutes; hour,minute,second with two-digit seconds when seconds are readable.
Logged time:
12,49
